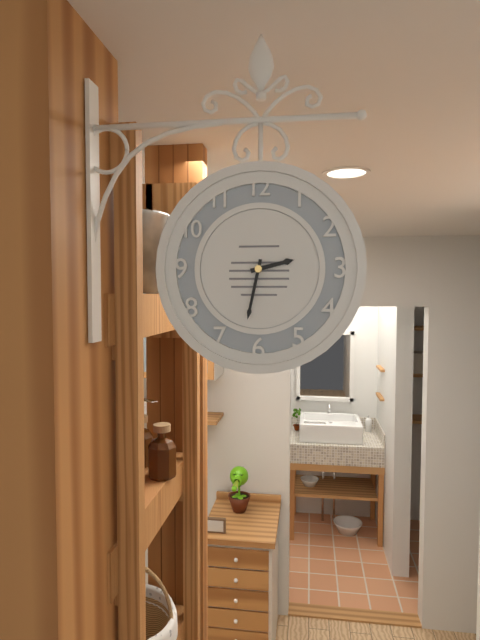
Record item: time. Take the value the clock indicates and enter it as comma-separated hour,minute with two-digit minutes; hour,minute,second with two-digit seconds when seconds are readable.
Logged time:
2,32
